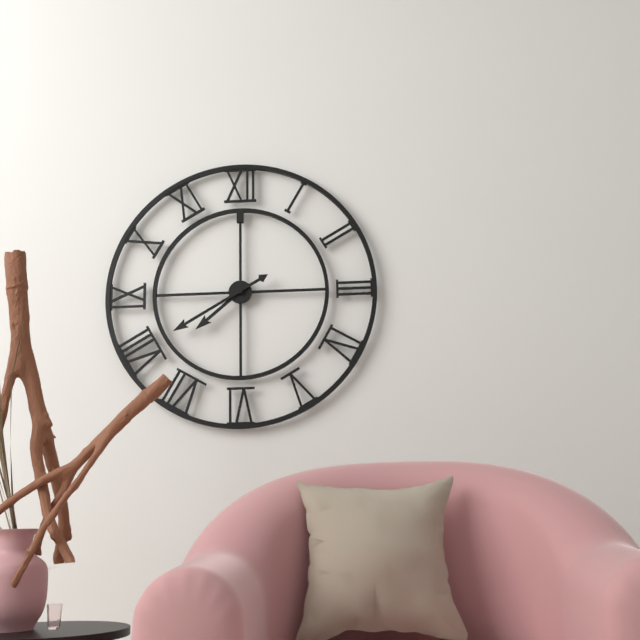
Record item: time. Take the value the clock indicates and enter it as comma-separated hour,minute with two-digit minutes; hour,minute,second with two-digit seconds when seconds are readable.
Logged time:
7,40
